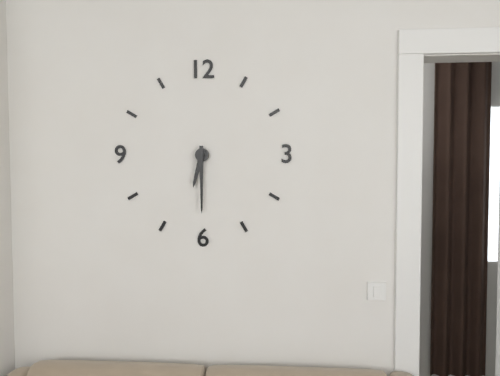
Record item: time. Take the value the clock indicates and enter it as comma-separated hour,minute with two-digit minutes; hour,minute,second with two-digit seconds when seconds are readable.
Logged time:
6,30
